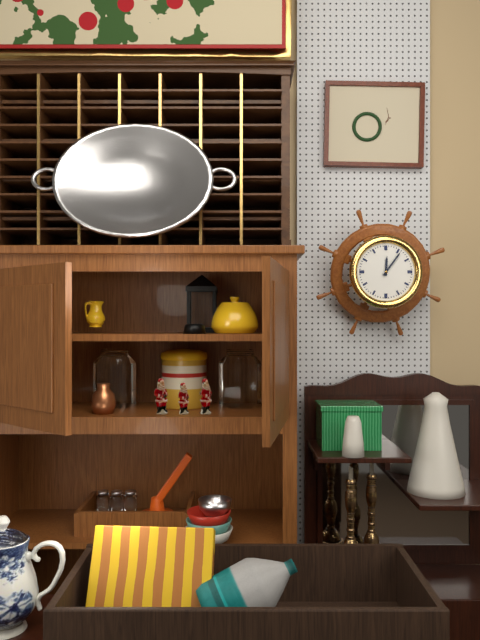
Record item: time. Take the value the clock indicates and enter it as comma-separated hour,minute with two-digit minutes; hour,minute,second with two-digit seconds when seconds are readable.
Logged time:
12,06
